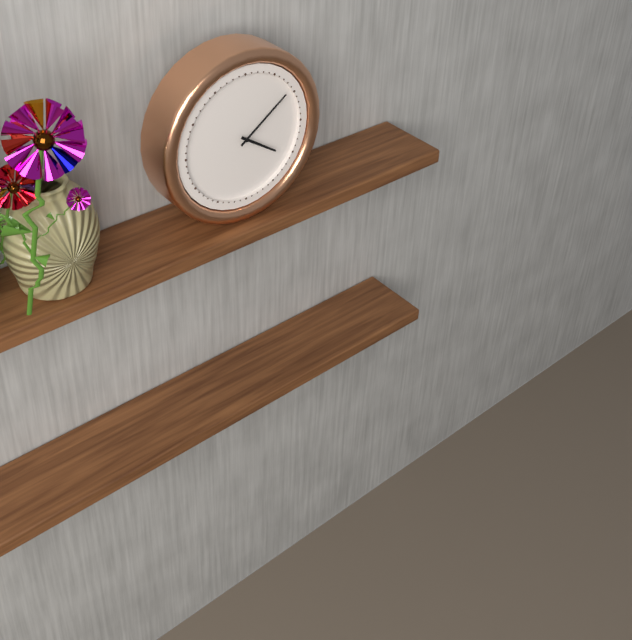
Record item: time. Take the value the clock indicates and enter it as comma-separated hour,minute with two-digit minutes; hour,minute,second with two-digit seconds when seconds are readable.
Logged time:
4,09
